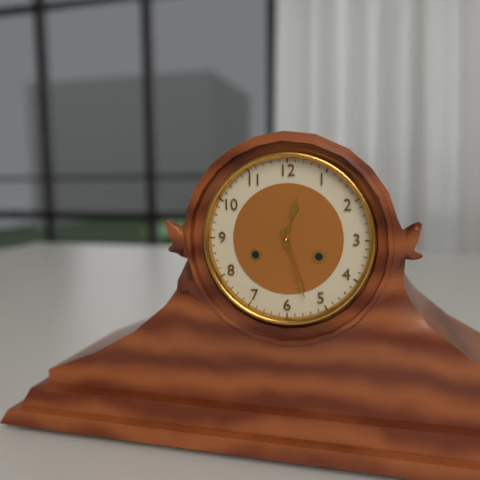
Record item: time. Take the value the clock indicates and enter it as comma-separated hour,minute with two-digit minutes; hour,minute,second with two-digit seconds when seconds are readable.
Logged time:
12,27
